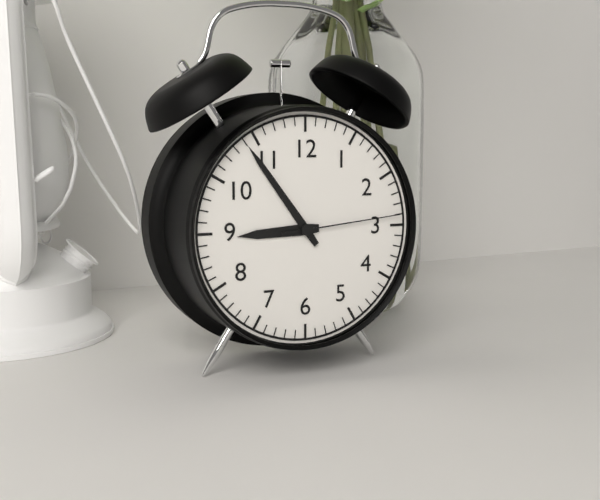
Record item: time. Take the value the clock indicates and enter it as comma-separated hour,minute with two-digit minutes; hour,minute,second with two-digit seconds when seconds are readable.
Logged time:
8,54,14
